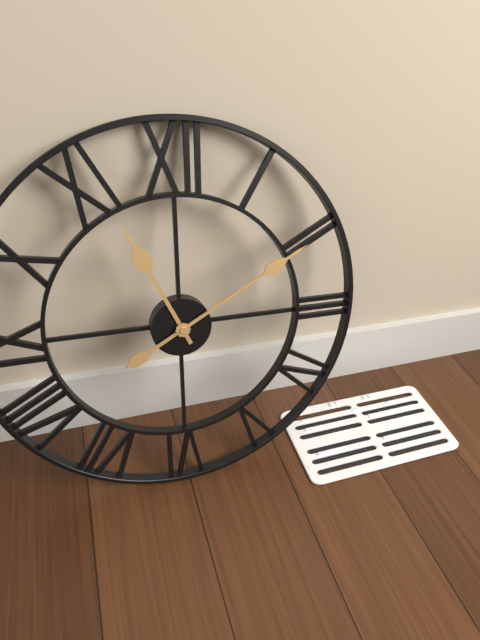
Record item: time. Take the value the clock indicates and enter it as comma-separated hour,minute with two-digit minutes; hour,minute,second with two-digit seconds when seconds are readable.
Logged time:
11,10
